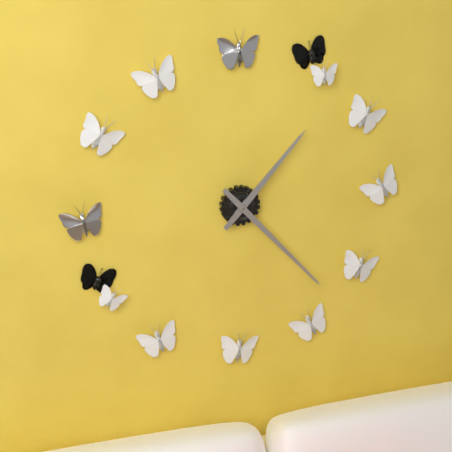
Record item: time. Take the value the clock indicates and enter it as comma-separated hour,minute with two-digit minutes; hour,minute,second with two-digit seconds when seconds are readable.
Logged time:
1,23
